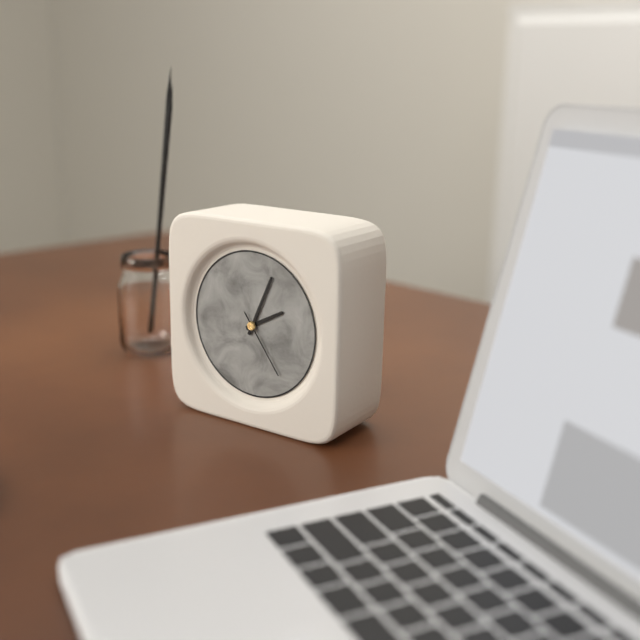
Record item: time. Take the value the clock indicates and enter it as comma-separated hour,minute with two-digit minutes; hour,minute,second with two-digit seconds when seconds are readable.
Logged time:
2,04,24
